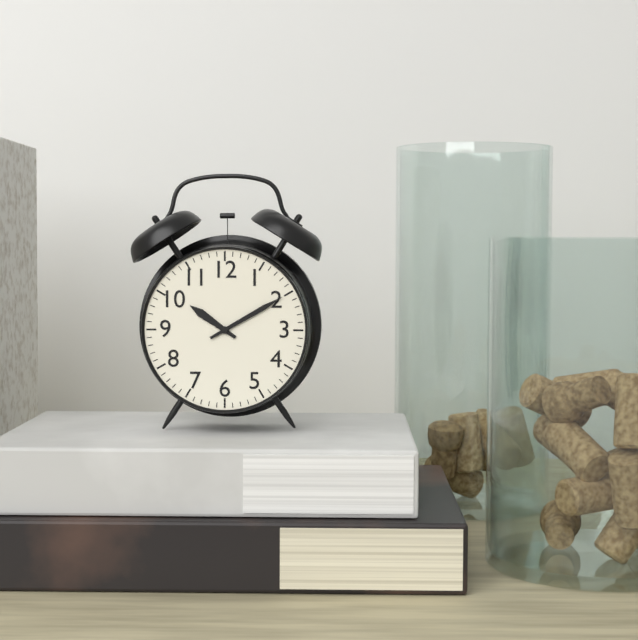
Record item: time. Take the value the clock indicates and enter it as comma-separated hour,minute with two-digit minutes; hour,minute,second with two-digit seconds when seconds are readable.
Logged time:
10,10
